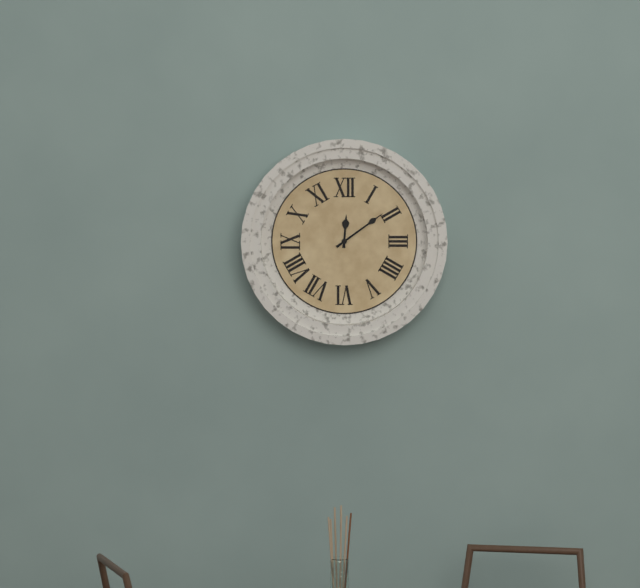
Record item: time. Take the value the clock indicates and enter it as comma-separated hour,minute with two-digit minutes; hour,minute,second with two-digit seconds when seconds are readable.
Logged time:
12,09
